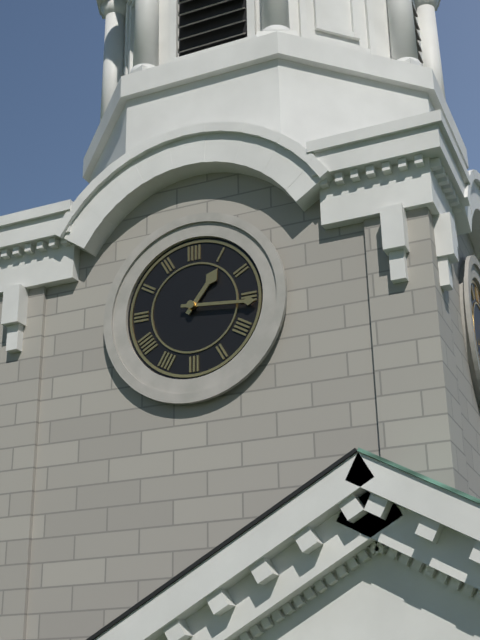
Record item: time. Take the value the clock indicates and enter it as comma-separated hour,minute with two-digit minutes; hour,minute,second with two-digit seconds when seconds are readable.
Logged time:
1,16
